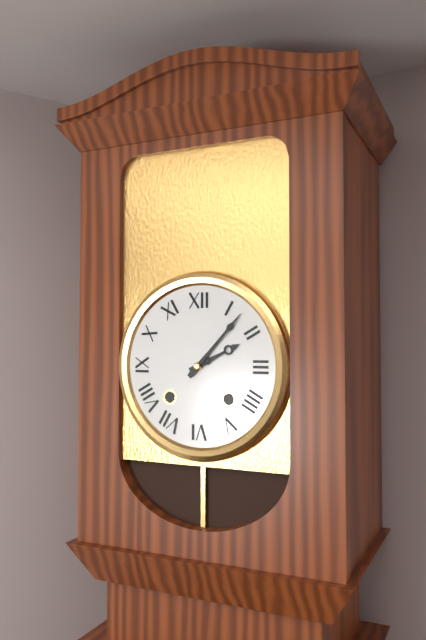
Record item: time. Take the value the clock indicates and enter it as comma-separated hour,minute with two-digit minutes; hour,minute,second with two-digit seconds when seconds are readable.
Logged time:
2,07
